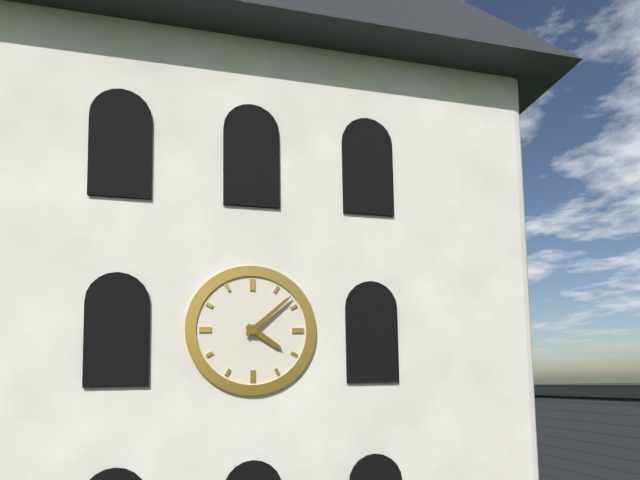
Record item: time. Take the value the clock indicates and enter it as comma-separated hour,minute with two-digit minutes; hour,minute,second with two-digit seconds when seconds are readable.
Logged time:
4,08
